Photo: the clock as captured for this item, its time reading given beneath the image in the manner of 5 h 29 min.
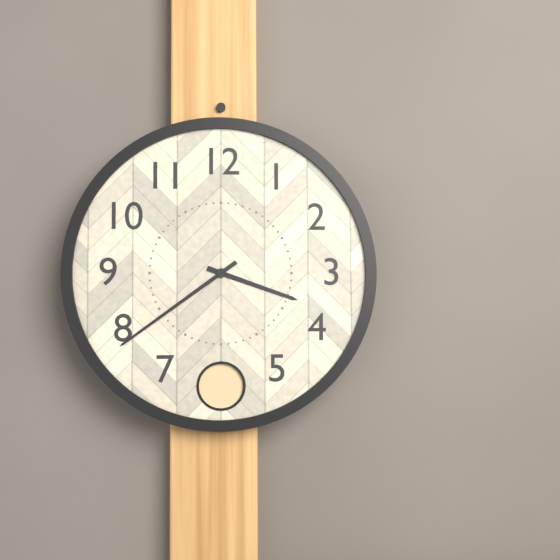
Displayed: 3 h 39 min
